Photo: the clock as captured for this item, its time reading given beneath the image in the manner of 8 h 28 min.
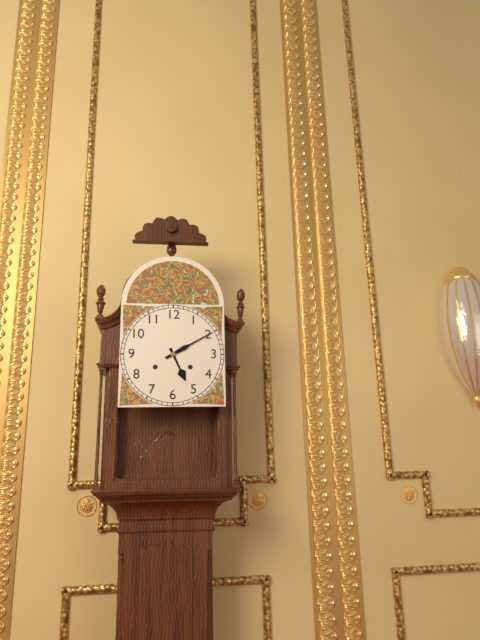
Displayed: 5 h 10 min
